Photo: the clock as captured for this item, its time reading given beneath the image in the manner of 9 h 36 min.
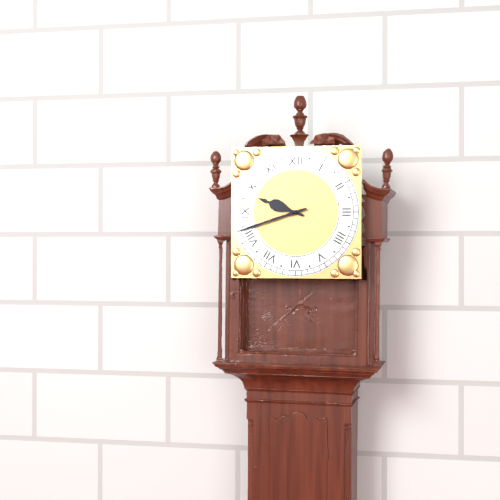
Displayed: 9 h 42 min
